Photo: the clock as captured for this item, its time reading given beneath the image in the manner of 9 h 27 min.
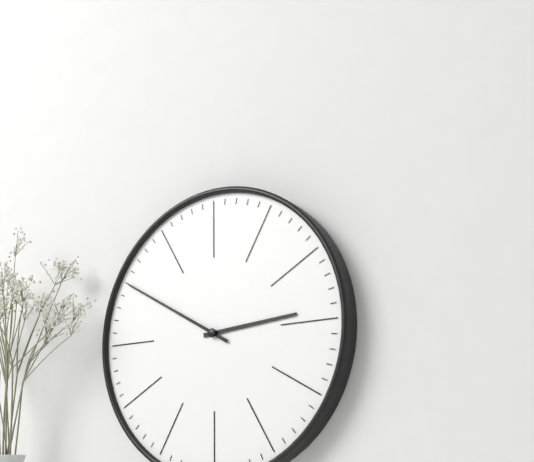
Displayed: 2 h 50 min
